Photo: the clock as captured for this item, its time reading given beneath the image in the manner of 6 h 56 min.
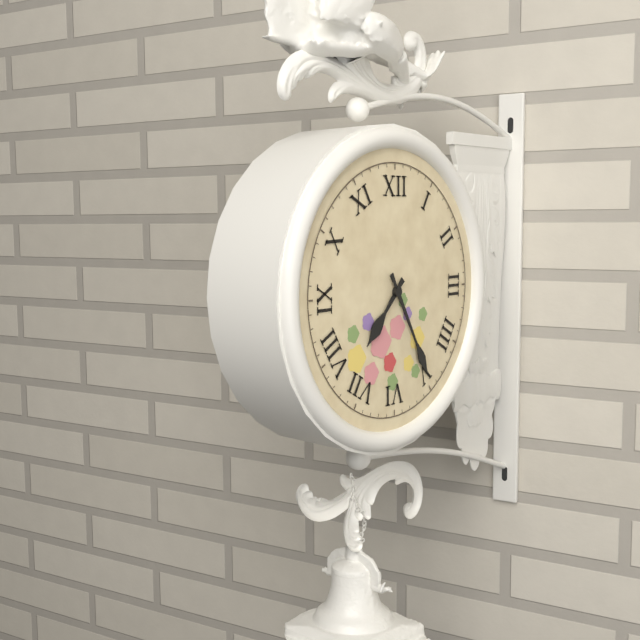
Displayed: 7 h 25 min
